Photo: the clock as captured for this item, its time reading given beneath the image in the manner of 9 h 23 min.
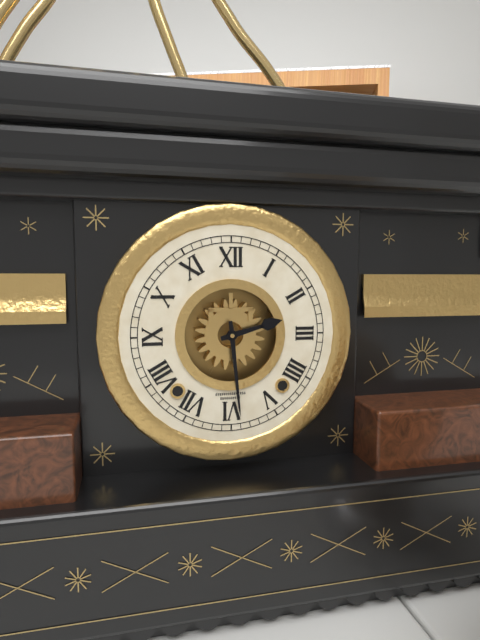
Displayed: 2 h 29 min
